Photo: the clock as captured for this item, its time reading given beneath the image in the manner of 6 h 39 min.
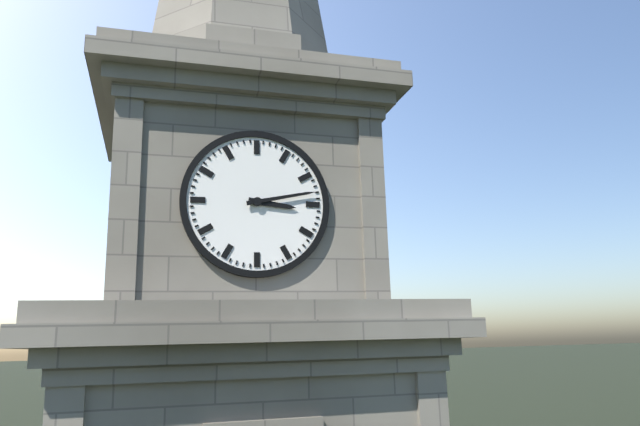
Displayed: 3 h 13 min
